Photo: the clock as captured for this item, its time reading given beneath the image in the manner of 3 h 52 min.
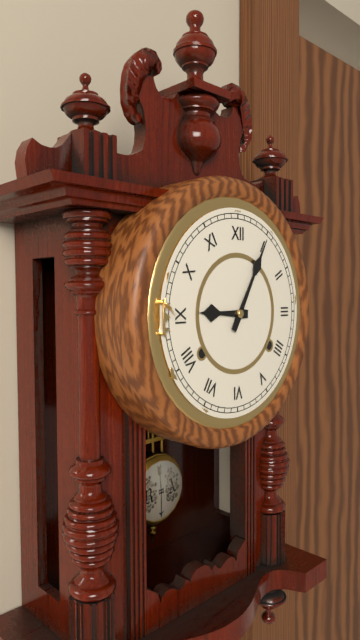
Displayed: 9 h 05 min
